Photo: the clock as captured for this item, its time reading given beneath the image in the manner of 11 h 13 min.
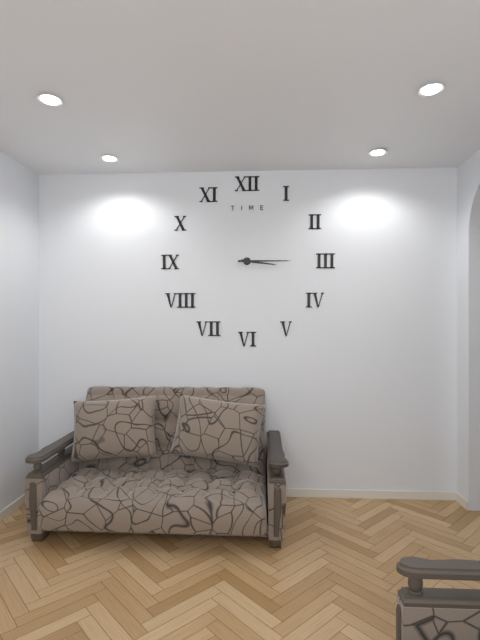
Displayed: 3 h 15 min
